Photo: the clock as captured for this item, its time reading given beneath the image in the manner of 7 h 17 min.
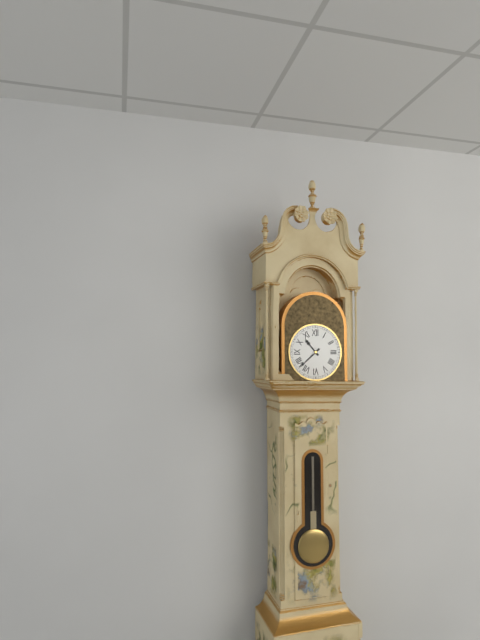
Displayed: 10 h 38 min
